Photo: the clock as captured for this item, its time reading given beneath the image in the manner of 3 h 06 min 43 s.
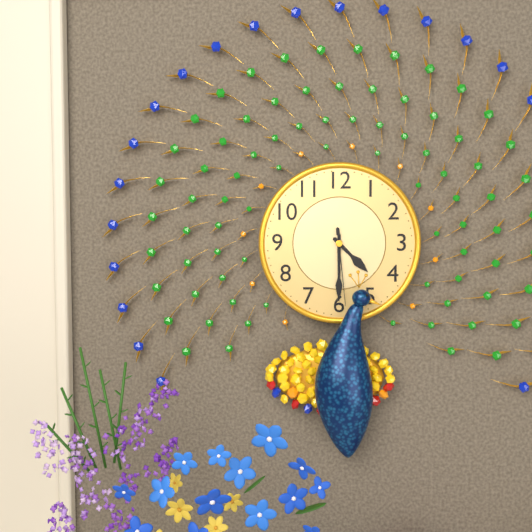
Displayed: 4 h 30 min 29 s
